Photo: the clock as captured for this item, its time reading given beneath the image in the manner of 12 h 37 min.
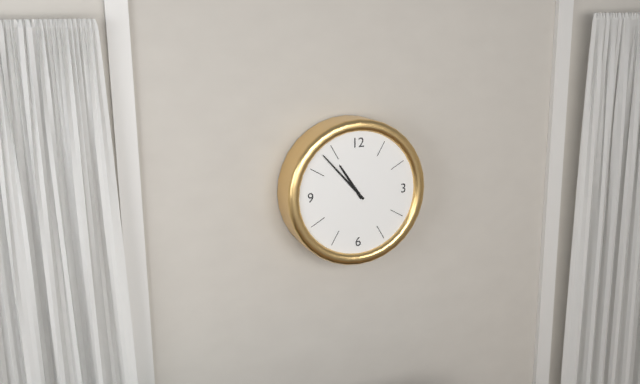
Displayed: 10 h 53 min
